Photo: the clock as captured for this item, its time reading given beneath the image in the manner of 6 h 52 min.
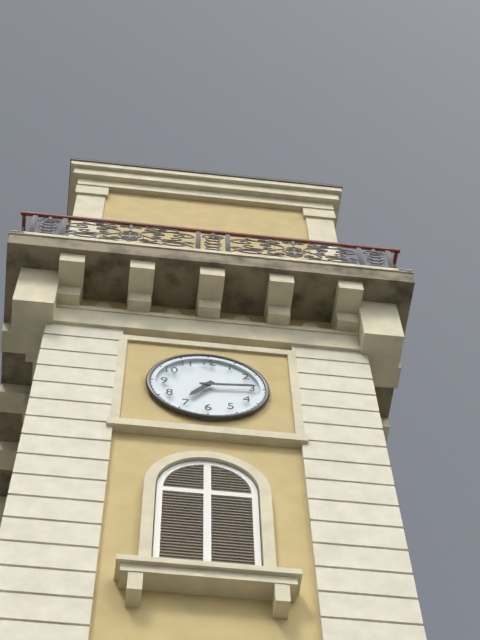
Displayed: 7 h 14 min
